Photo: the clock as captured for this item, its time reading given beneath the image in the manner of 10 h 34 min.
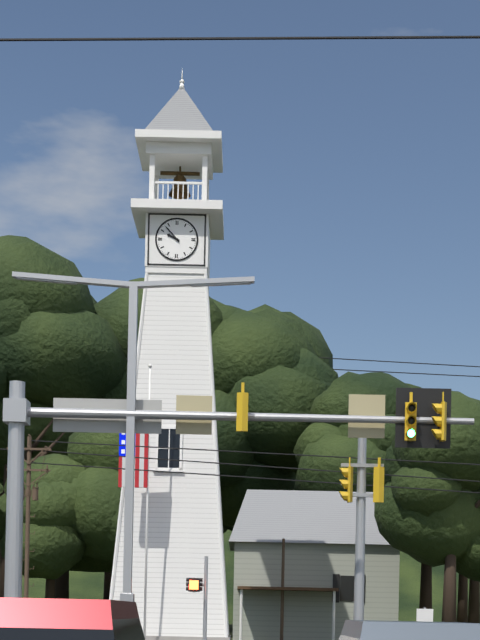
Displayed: 9 h 53 min
